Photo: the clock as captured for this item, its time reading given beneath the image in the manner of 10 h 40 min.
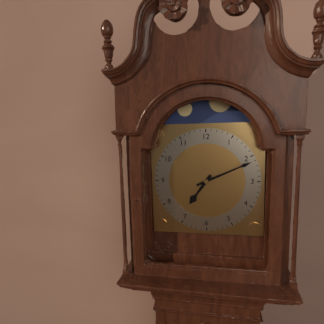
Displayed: 7 h 11 min
